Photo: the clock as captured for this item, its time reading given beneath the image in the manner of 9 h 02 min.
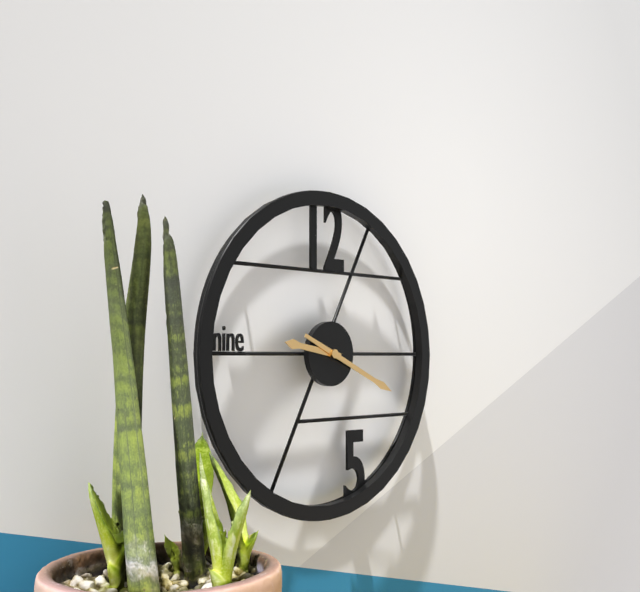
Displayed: 9 h 19 min
